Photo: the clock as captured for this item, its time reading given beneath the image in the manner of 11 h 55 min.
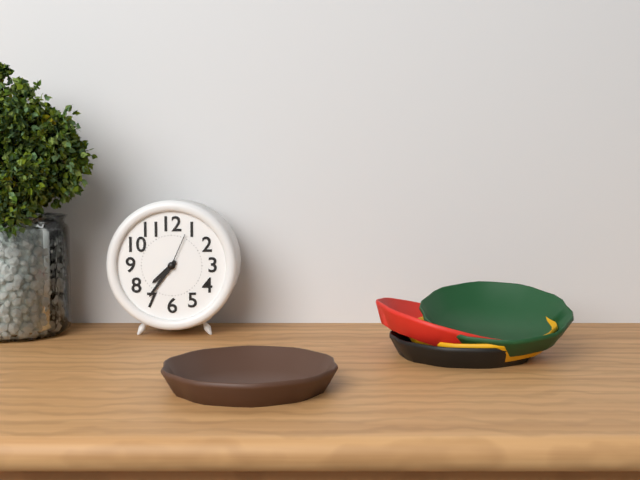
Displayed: 7 h 36 min
